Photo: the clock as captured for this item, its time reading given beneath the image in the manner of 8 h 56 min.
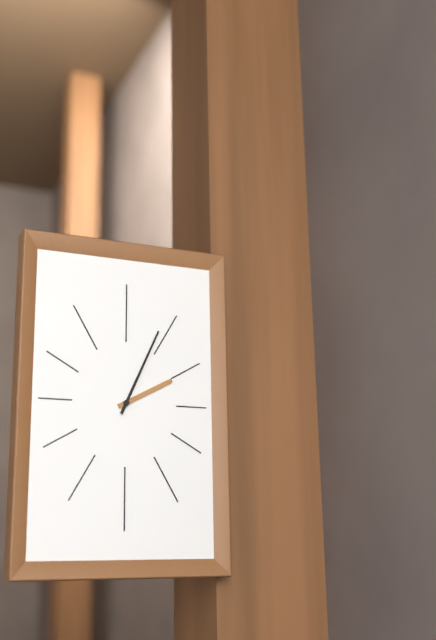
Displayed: 2 h 04 min
